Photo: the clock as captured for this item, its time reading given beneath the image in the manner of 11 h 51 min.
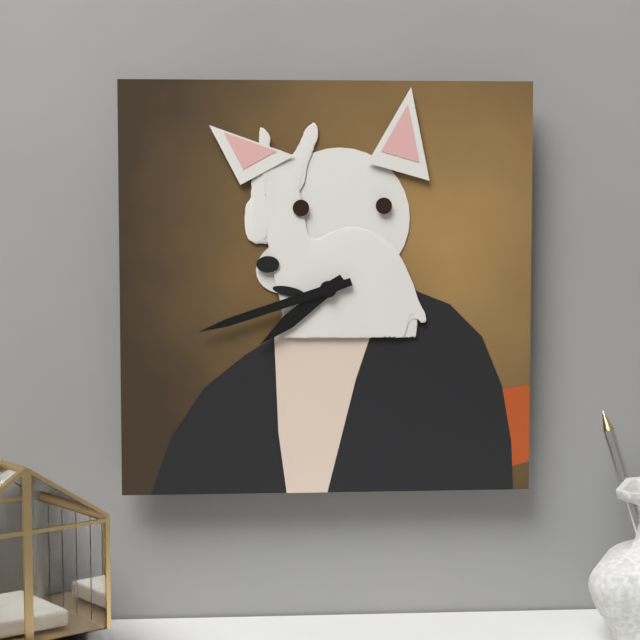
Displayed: 7 h 42 min
